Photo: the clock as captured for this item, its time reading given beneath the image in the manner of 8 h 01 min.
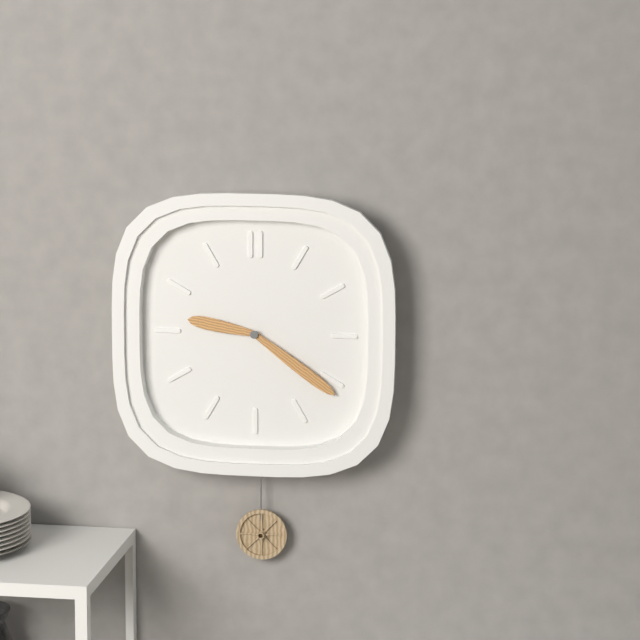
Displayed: 9 h 21 min
